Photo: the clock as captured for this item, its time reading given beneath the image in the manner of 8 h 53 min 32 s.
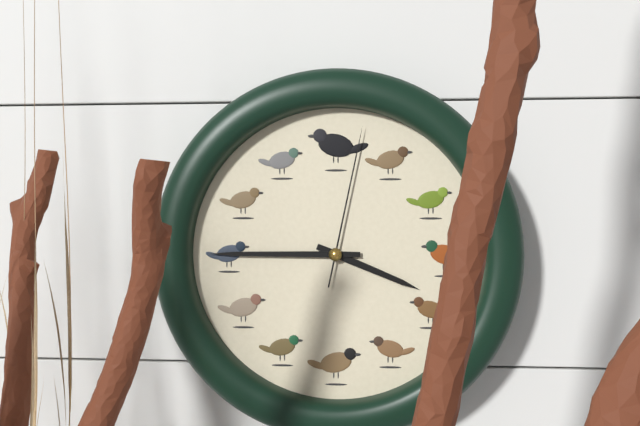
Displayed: 3 h 45 min 02 s
